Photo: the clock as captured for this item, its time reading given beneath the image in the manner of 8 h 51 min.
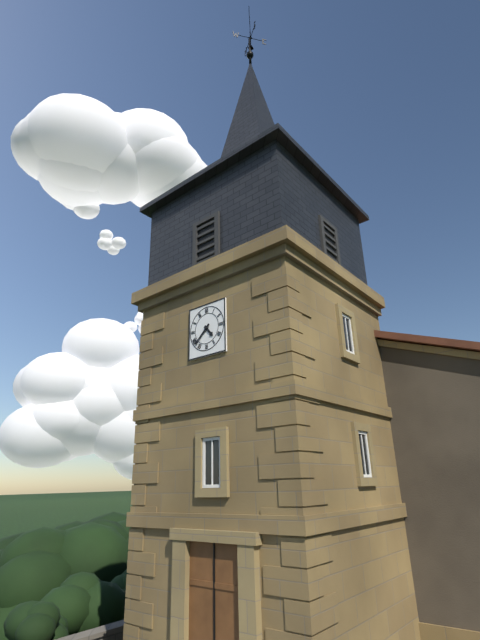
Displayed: 4 h 38 min
